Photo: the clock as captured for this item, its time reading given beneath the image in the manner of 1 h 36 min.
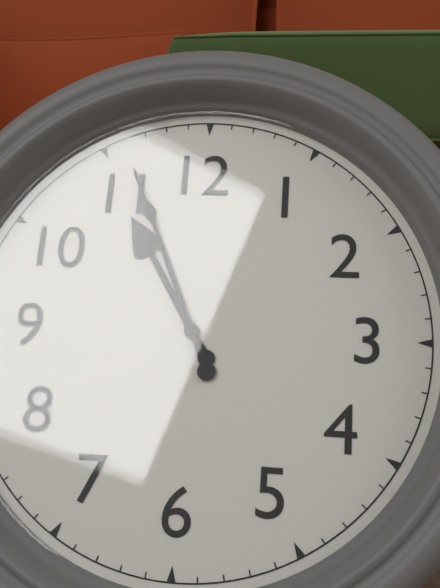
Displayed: 10 h 56 min
